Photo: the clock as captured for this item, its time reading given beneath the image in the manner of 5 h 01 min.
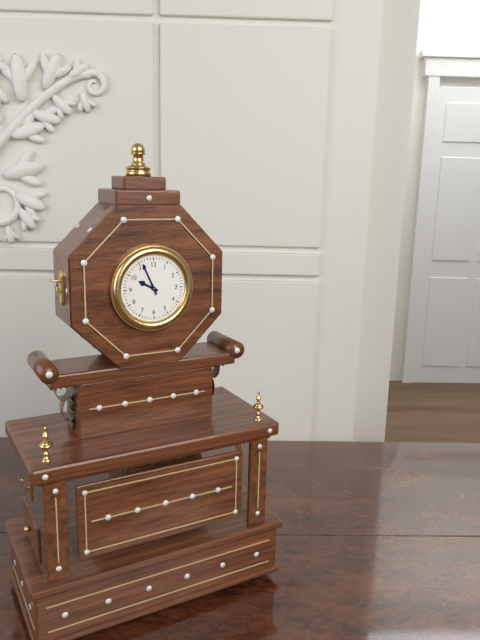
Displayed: 9 h 56 min
